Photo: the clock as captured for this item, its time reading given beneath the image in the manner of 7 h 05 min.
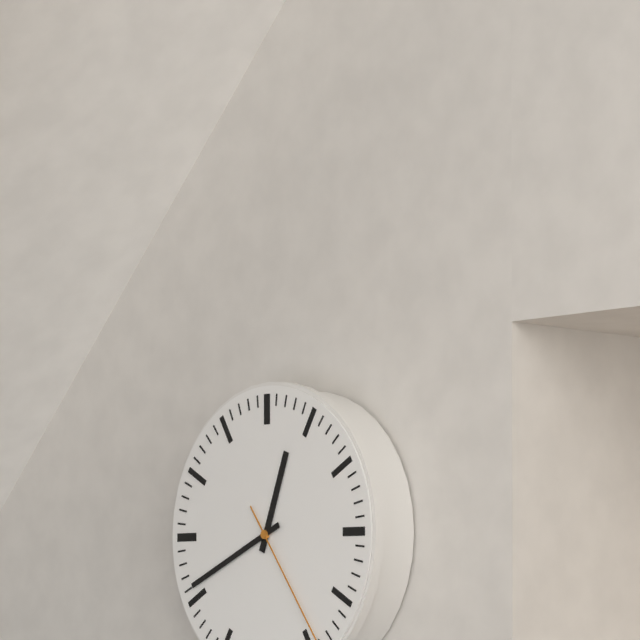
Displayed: 12 h 41 min
